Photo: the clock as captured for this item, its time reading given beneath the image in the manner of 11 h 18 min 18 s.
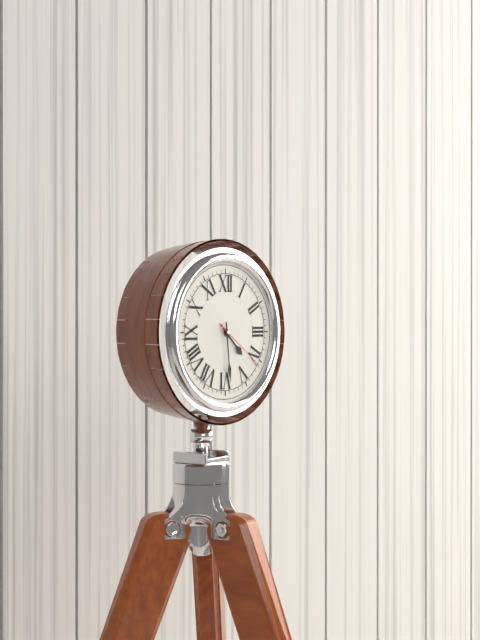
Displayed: 4 h 29 min 21 s
